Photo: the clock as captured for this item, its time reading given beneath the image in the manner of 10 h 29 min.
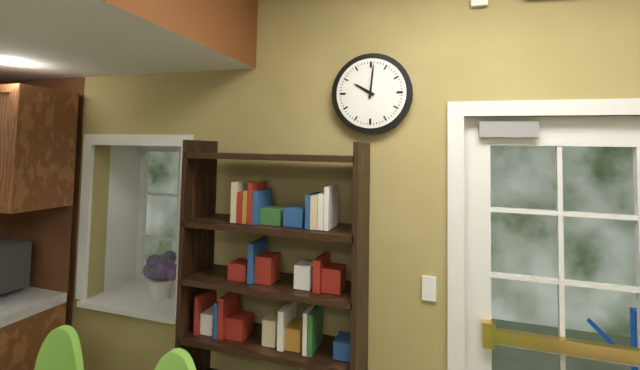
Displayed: 10 h 01 min
